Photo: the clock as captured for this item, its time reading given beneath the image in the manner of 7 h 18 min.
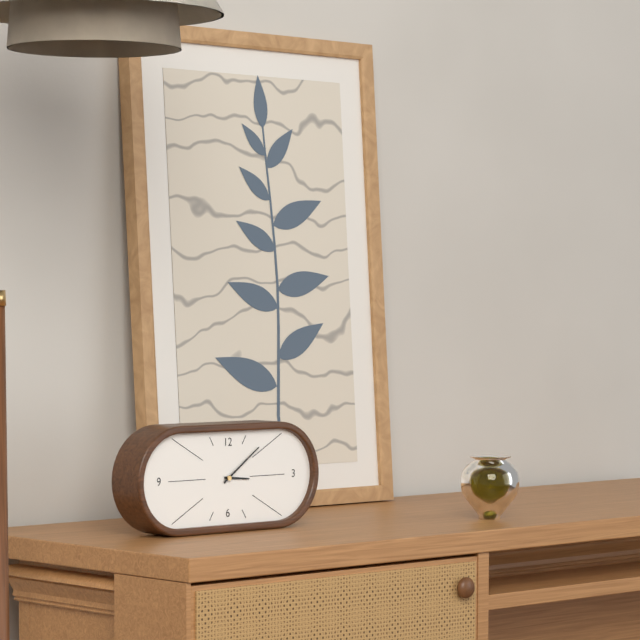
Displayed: 3 h 09 min
